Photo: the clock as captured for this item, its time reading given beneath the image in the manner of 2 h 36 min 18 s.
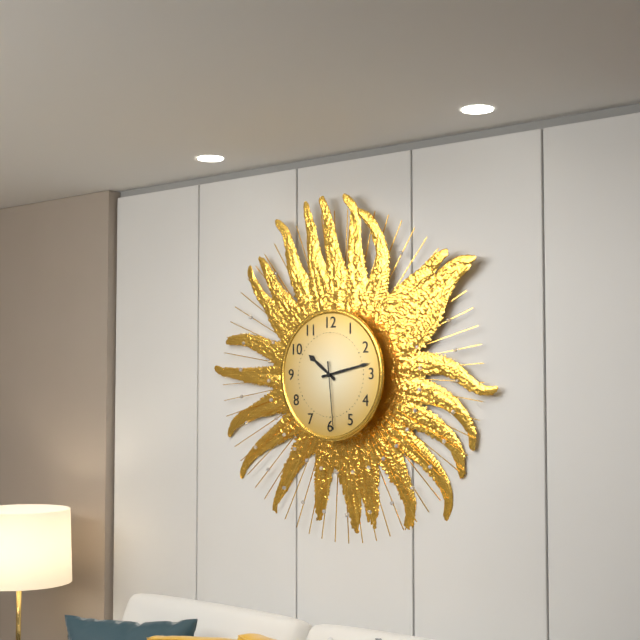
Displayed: 10 h 13 min 29 s
